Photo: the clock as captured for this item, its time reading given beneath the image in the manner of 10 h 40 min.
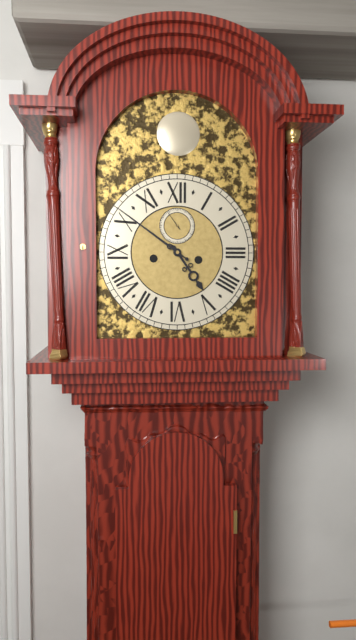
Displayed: 4 h 51 min
